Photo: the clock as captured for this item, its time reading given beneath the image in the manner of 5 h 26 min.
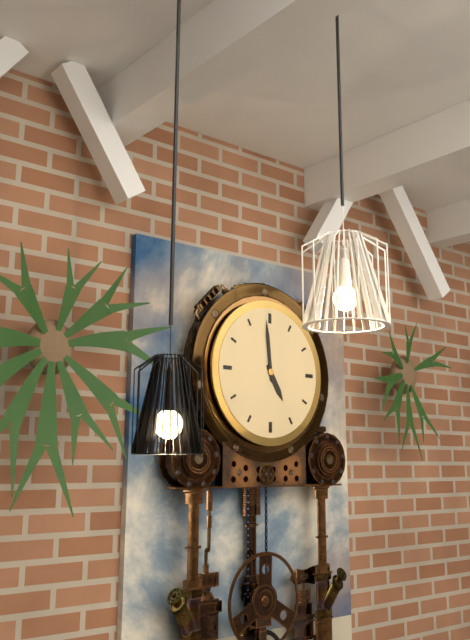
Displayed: 4 h 59 min
